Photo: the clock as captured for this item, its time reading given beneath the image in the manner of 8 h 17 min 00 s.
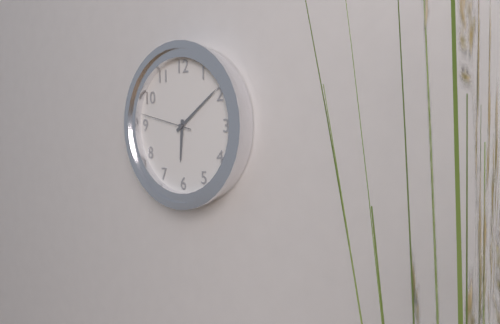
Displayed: 6 h 09 min 47 s
